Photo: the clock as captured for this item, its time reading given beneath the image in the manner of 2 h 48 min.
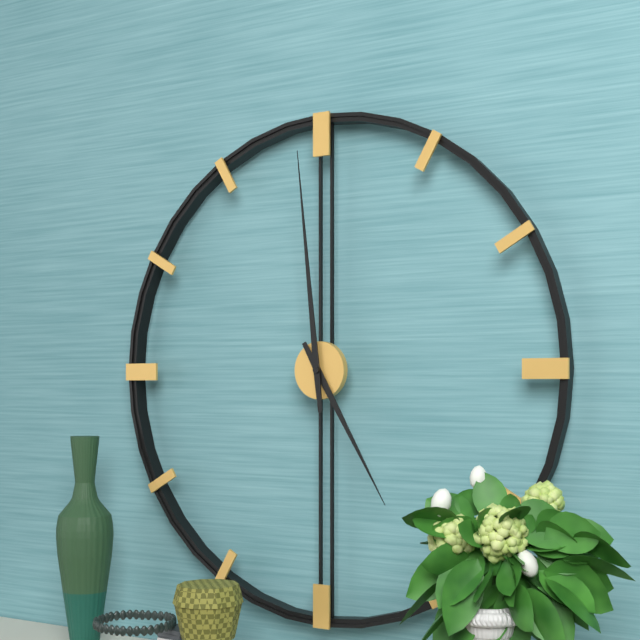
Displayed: 4 h 59 min
